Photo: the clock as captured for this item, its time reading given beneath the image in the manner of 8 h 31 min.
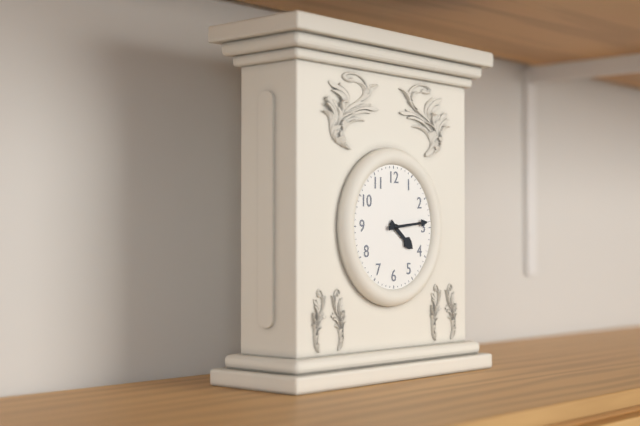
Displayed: 4 h 14 min
